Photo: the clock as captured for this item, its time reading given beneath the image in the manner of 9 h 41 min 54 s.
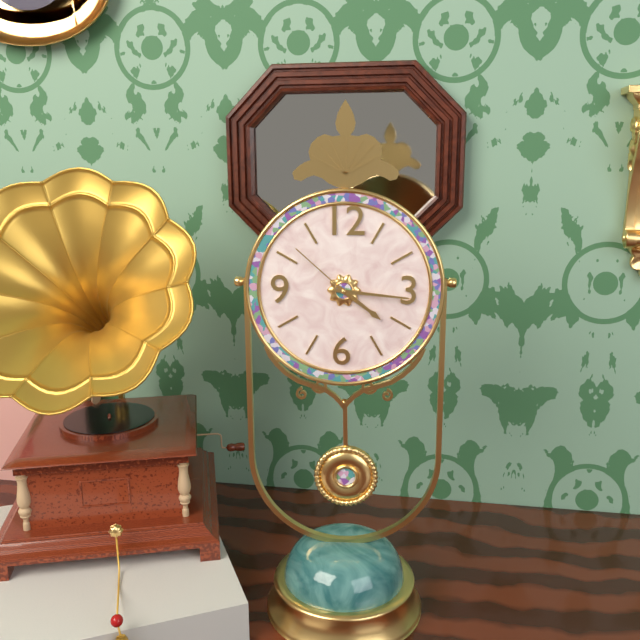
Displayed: 4 h 16 min 52 s
